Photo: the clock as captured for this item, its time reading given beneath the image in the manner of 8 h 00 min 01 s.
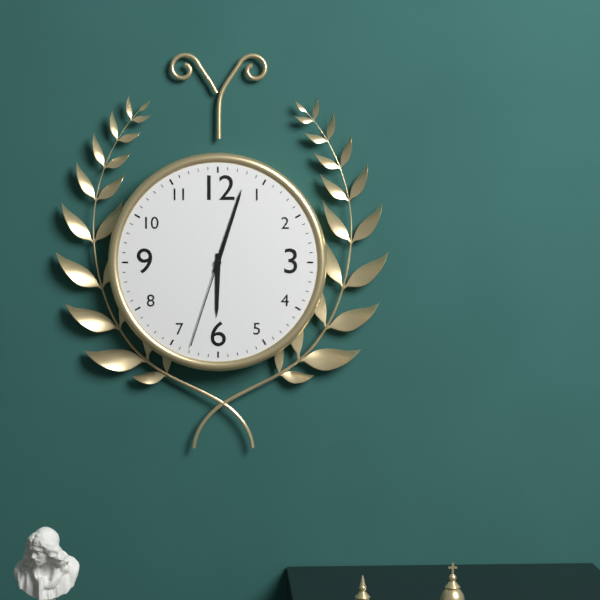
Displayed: 6 h 03 min 33 s
